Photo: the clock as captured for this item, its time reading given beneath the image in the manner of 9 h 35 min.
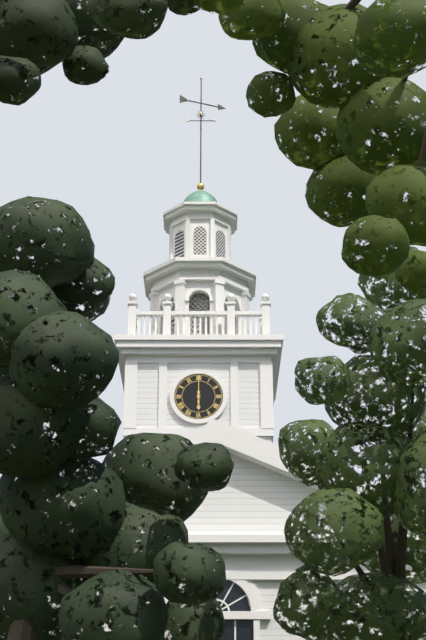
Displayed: 6 h 00 min
